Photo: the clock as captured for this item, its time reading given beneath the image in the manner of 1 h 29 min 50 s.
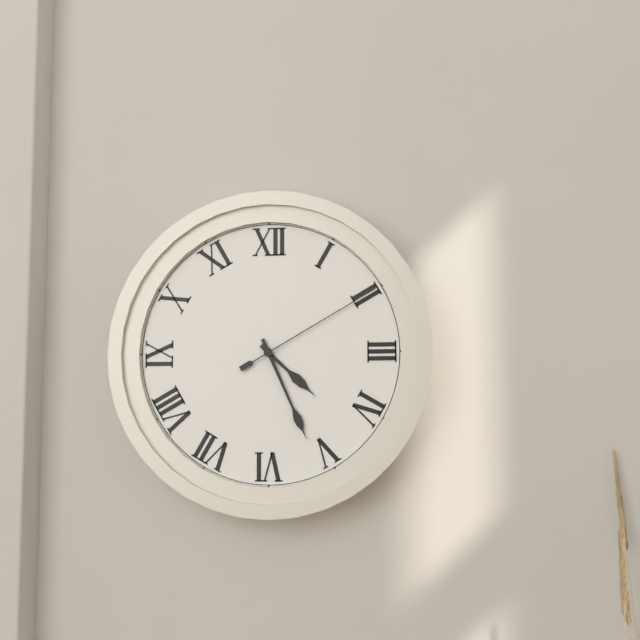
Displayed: 4 h 26 min 10 s
